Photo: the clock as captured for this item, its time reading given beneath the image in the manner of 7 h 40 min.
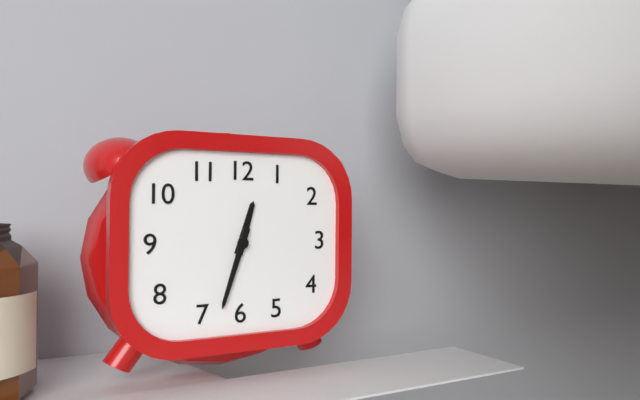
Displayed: 12 h 33 min
